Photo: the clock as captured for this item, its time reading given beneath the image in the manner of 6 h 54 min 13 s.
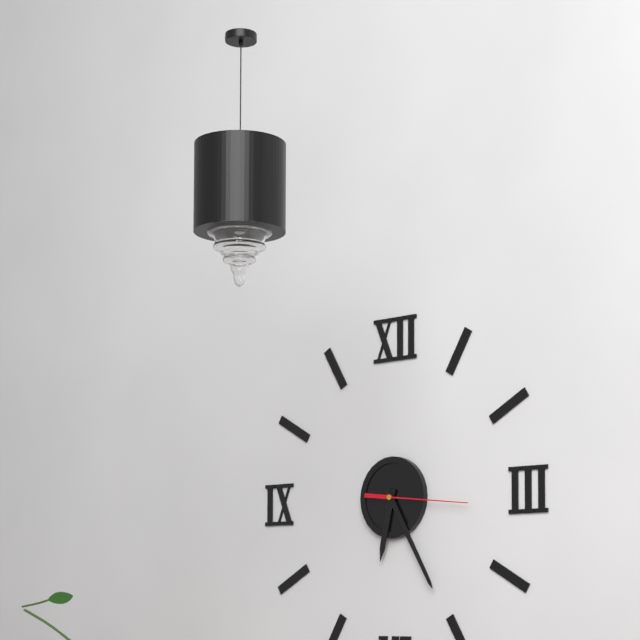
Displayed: 6 h 25 min 16 s
